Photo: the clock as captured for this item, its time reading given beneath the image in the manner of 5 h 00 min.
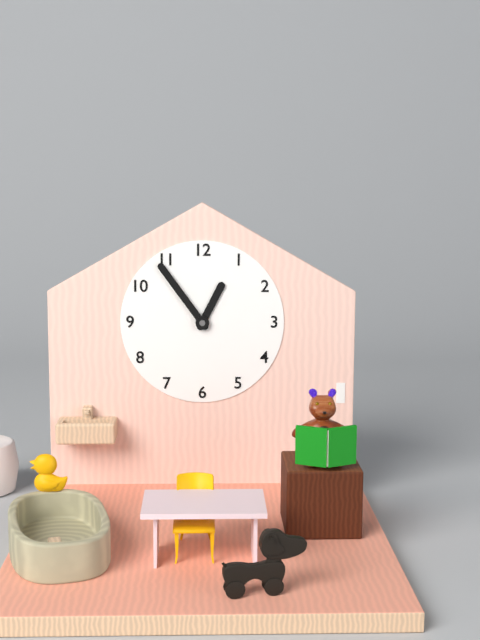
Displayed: 12 h 54 min
